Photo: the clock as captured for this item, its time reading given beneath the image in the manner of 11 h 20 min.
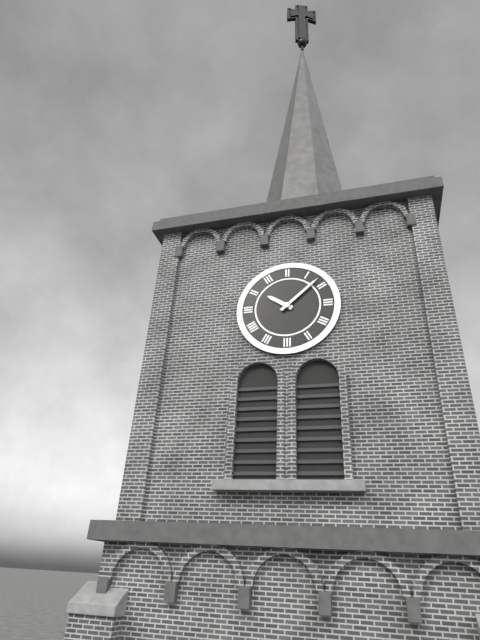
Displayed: 10 h 08 min
